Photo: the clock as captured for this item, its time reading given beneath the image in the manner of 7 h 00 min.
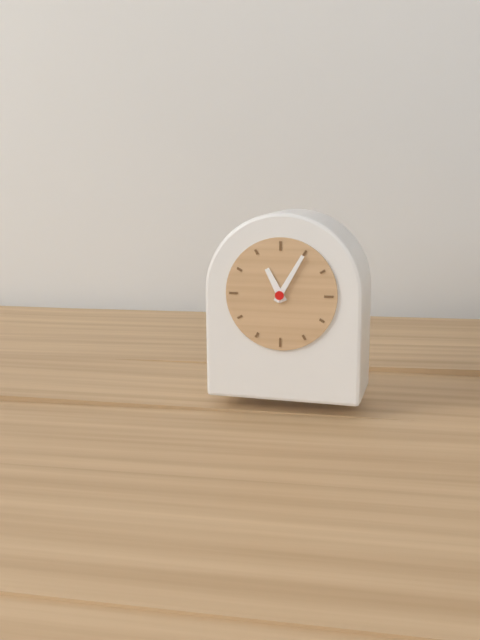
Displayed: 11 h 05 min
